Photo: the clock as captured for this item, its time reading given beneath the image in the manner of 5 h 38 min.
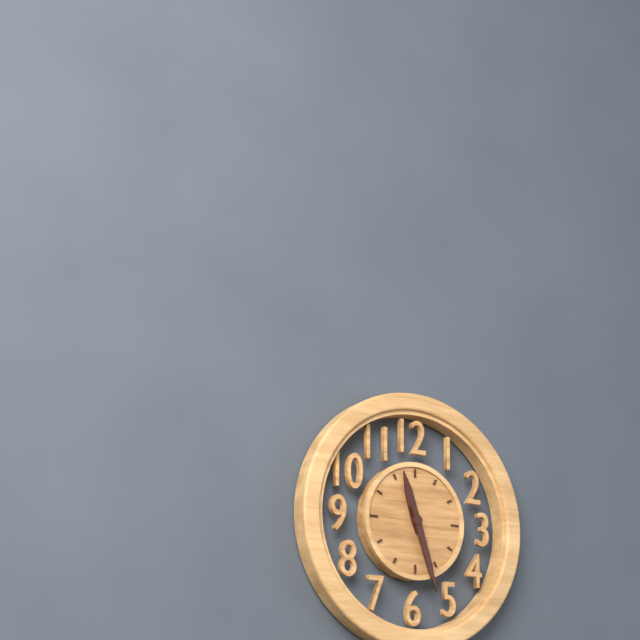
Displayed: 11 h 27 min
